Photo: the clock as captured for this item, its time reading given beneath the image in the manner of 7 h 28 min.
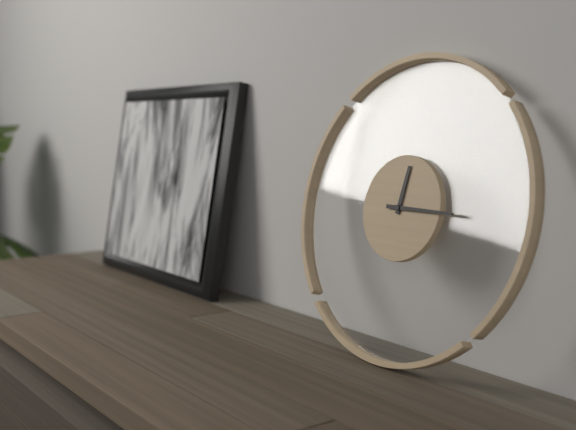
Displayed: 12 h 15 min
